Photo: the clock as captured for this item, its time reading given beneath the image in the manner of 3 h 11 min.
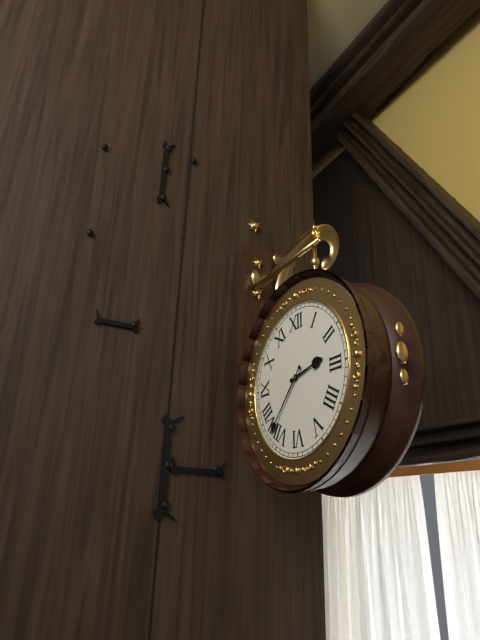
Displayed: 2 h 37 min
